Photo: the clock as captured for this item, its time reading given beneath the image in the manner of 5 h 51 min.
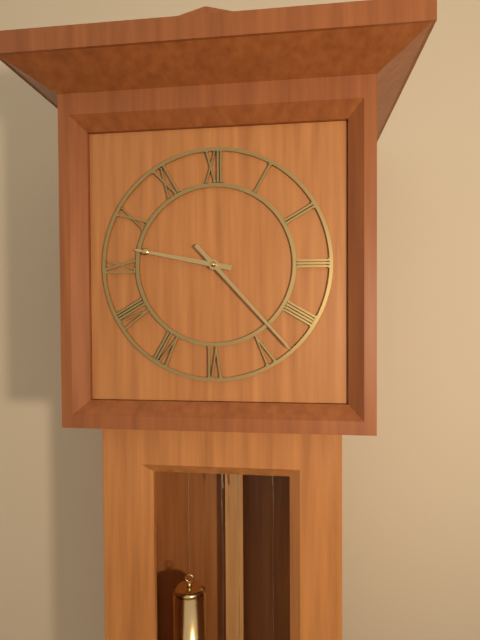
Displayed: 9 h 23 min
